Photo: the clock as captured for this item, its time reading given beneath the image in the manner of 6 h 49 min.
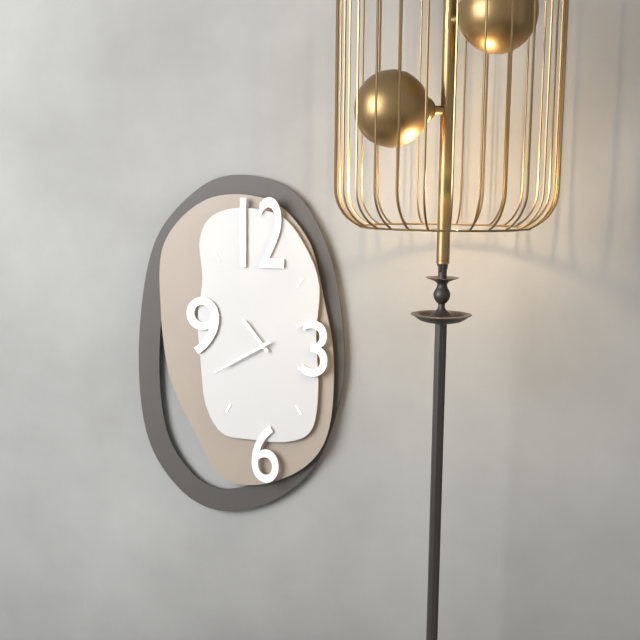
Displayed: 10 h 40 min
